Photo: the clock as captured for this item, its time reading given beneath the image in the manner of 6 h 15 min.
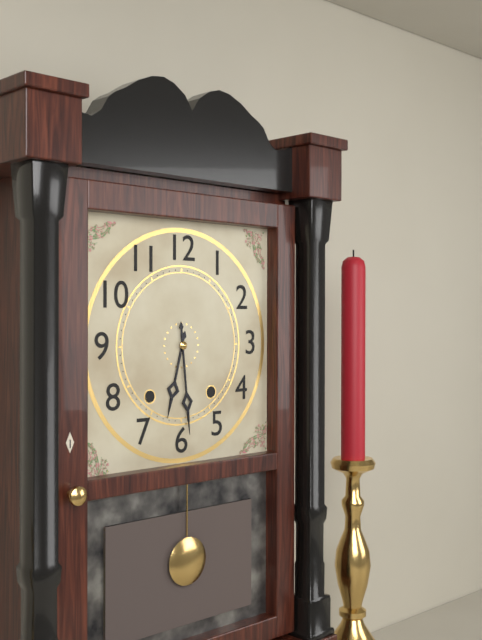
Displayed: 6 h 29 min
